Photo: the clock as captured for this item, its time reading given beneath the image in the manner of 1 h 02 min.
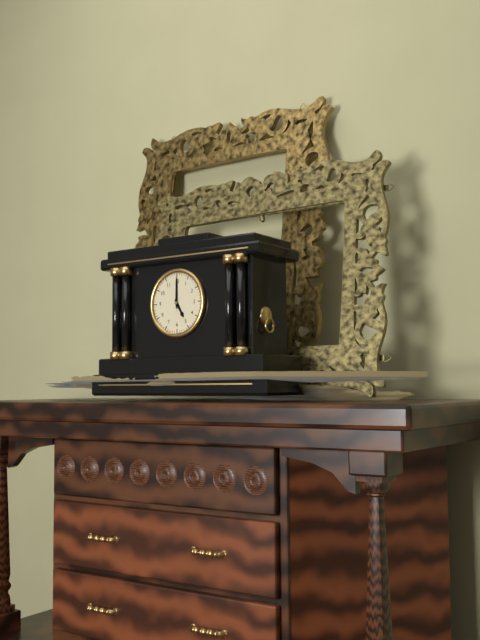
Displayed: 5 h 00 min
